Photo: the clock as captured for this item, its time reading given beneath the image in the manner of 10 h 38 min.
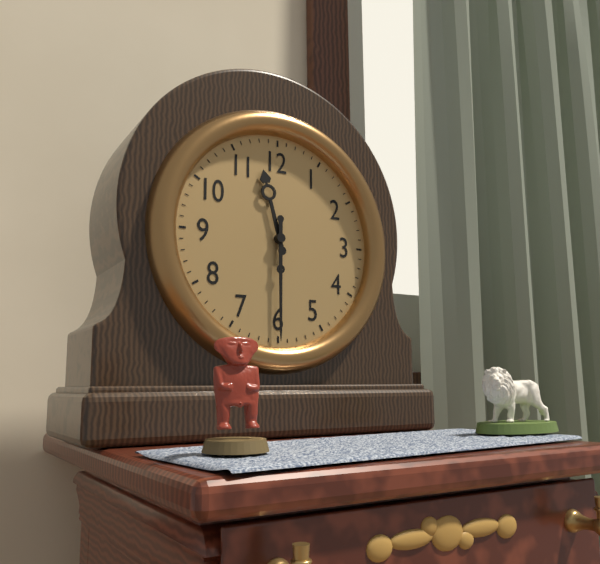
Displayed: 11 h 30 min
